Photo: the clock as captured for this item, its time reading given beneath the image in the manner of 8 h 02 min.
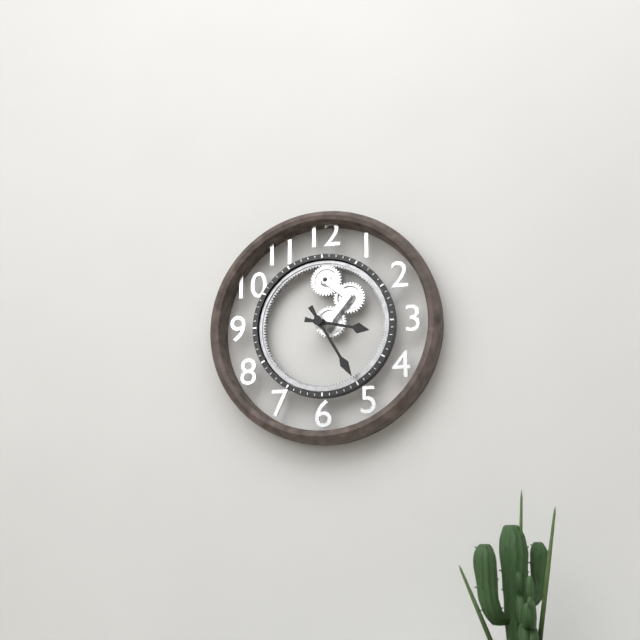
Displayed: 3 h 25 min
